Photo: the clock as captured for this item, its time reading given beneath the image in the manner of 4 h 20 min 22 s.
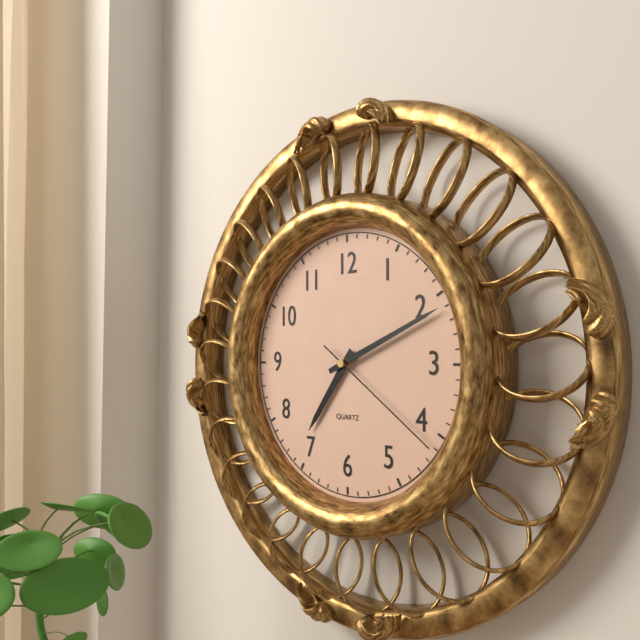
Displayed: 7 h 11 min 21 s
